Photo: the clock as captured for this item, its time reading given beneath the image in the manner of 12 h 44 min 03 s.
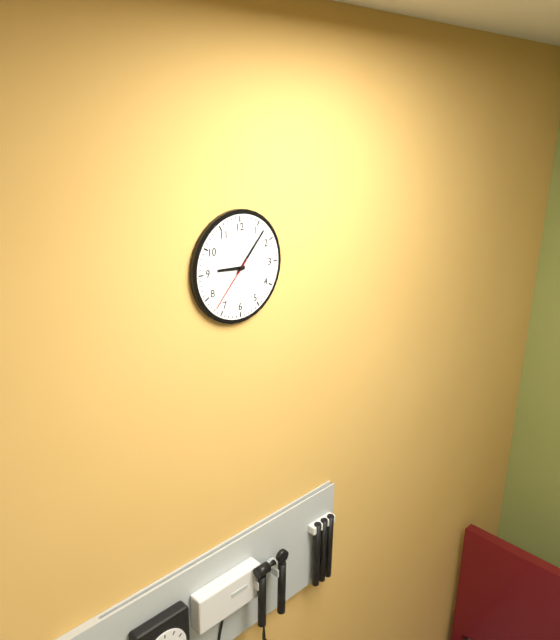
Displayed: 9 h 07 min 37 s
